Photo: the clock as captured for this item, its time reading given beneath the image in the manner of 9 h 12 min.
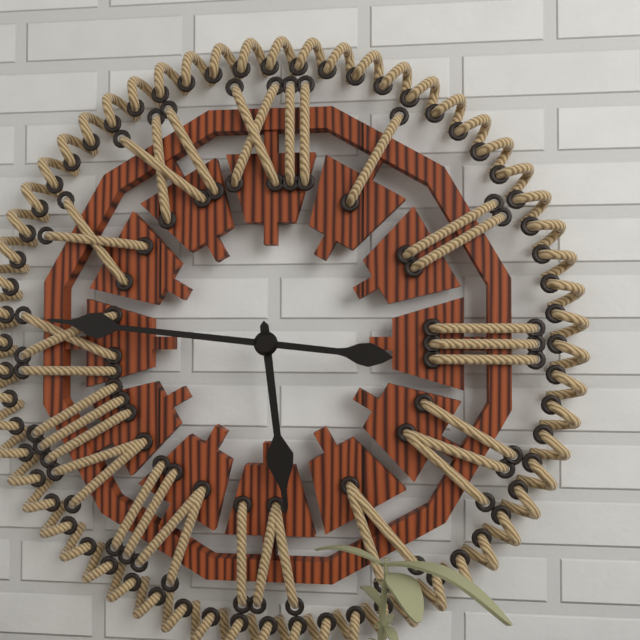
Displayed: 5 h 46 min
